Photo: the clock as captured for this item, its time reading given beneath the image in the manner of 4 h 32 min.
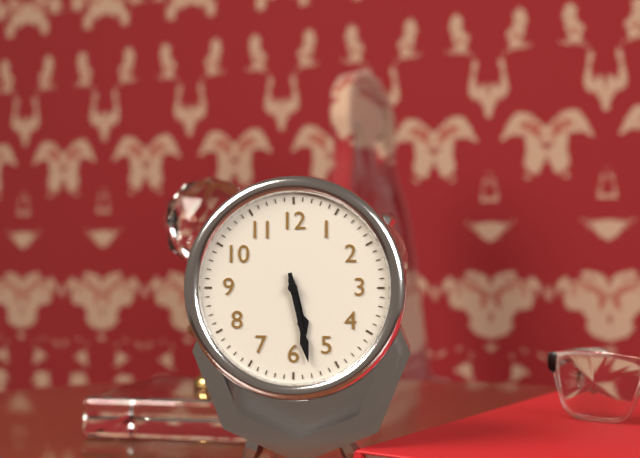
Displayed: 5 h 28 min
